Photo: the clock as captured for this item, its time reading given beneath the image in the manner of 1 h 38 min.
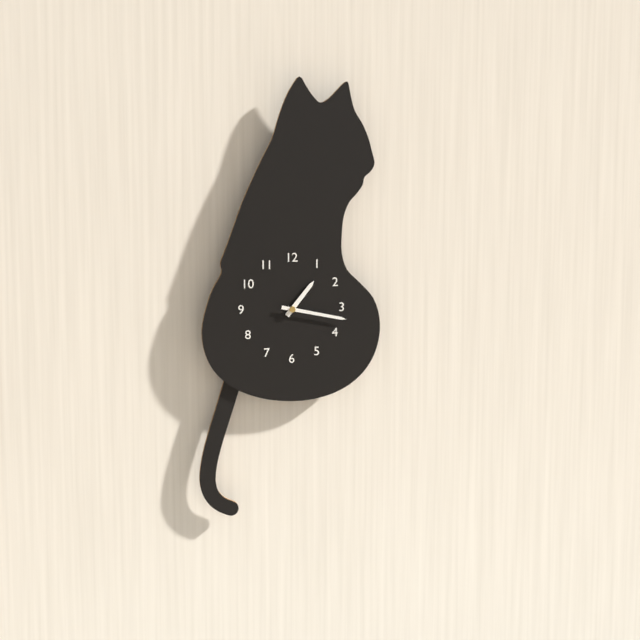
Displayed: 1 h 17 min
